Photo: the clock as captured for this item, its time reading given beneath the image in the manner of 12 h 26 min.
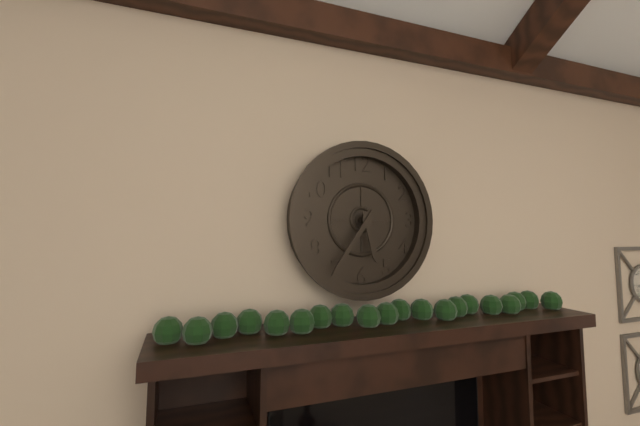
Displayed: 5 h 36 min
